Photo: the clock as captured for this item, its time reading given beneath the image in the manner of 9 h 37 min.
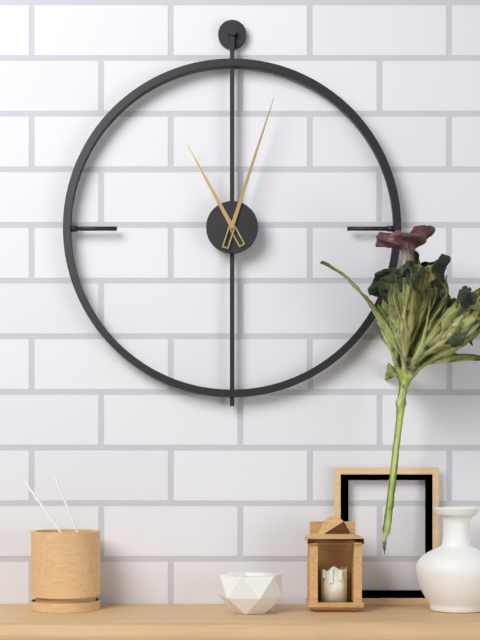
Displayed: 11 h 03 min
